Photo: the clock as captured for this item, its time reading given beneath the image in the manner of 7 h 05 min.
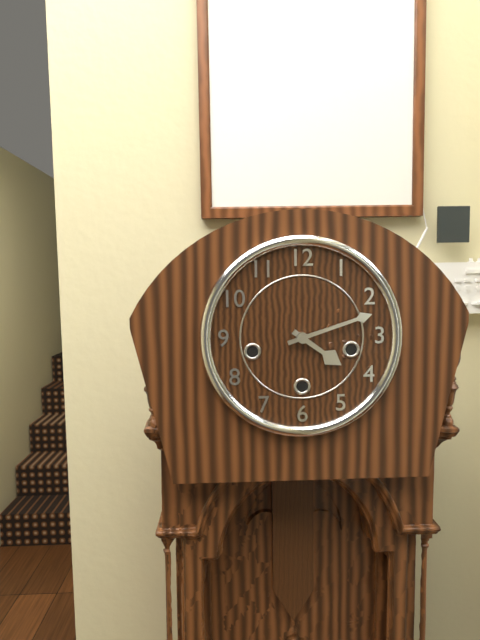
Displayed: 4 h 12 min
